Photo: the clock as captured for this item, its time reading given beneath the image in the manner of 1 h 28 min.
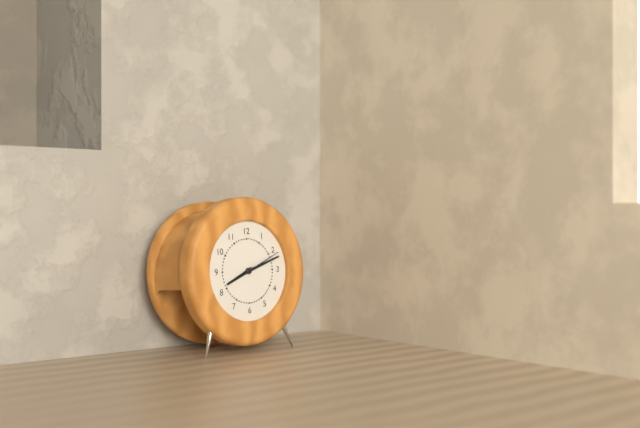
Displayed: 8 h 12 min
